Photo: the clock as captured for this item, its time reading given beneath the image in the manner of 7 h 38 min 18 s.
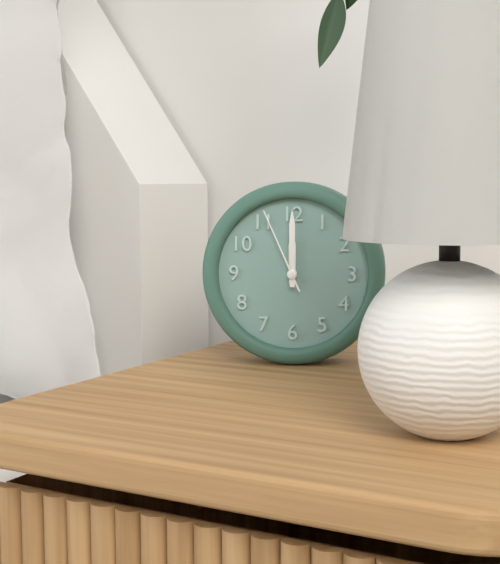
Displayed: 12 h 00 min 56 s
